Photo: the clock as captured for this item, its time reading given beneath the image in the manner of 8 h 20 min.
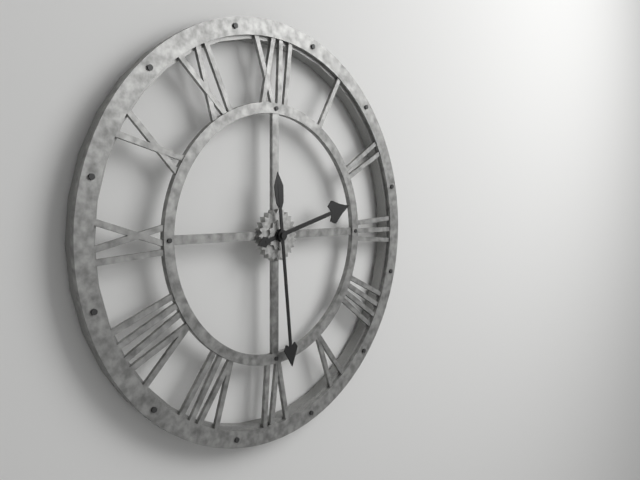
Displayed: 2 h 29 min
